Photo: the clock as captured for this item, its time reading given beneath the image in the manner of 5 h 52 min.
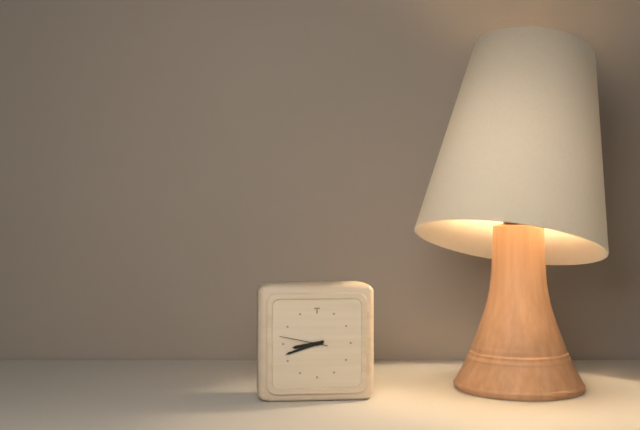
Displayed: 8 h 42 min
